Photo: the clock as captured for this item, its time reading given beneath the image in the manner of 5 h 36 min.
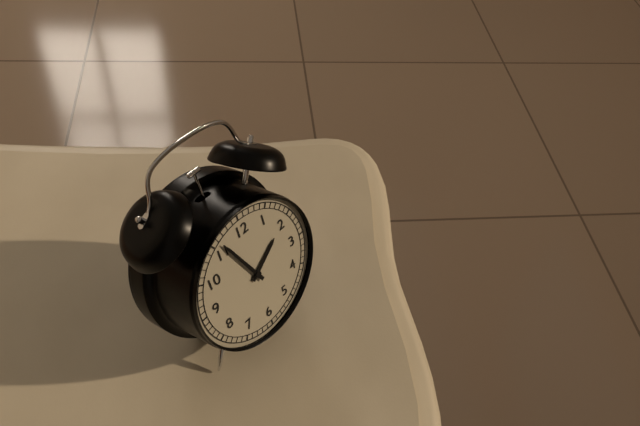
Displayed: 1 h 56 min
